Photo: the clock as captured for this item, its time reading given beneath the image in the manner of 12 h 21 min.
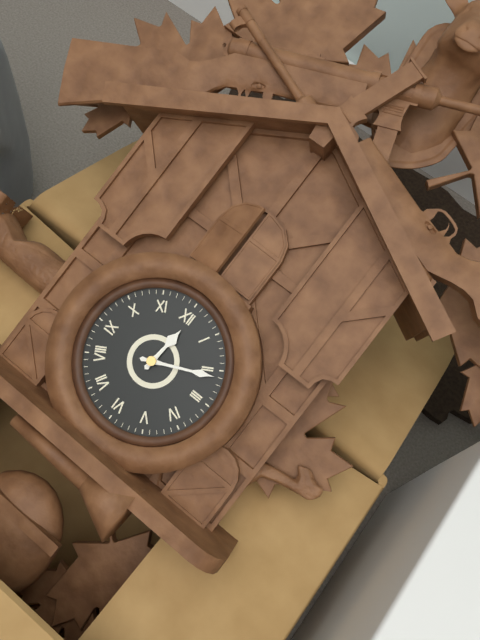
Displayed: 12 h 11 min
